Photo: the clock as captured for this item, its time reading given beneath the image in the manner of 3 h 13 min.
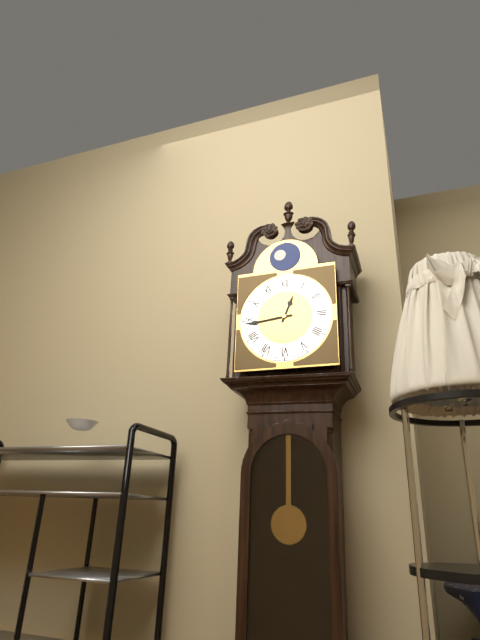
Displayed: 12 h 44 min
